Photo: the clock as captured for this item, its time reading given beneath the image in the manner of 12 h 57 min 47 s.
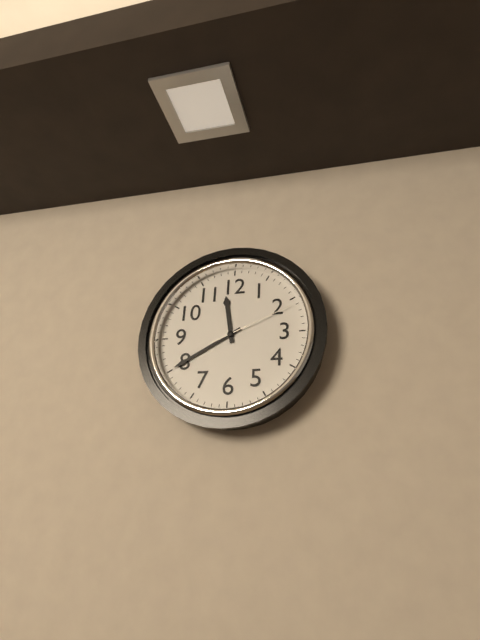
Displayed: 11 h 40 min 11 s
